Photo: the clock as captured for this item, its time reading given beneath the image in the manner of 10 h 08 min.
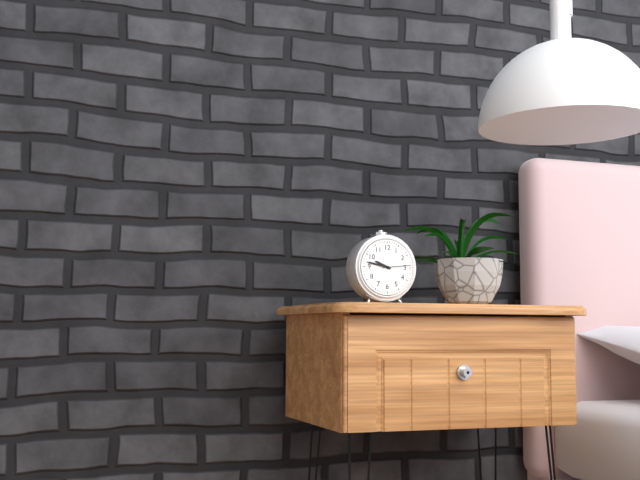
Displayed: 9 h 47 min
